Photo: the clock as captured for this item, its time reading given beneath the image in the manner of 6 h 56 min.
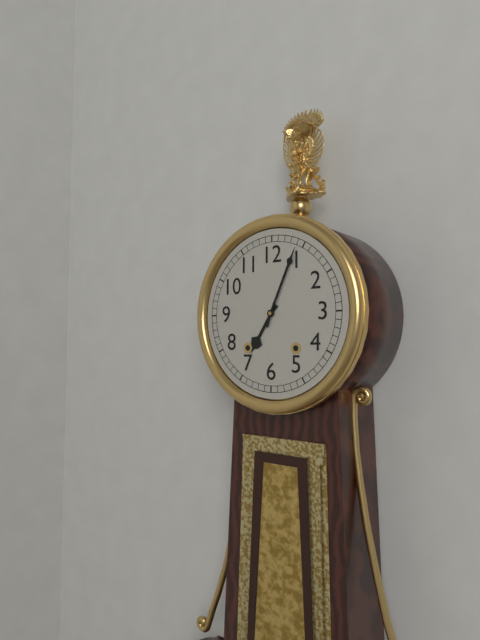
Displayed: 7 h 04 min
